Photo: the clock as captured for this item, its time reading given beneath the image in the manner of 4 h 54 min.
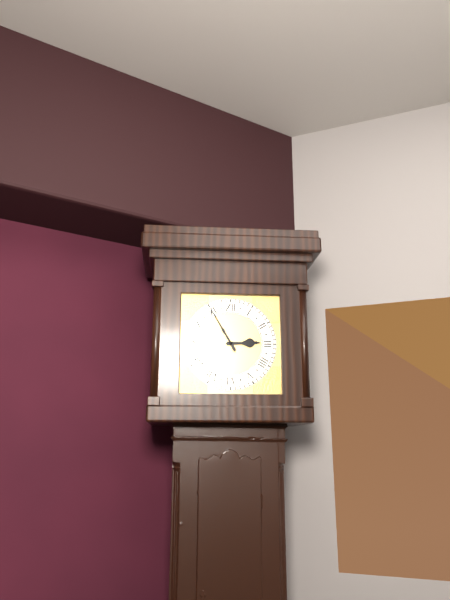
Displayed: 2 h 55 min
